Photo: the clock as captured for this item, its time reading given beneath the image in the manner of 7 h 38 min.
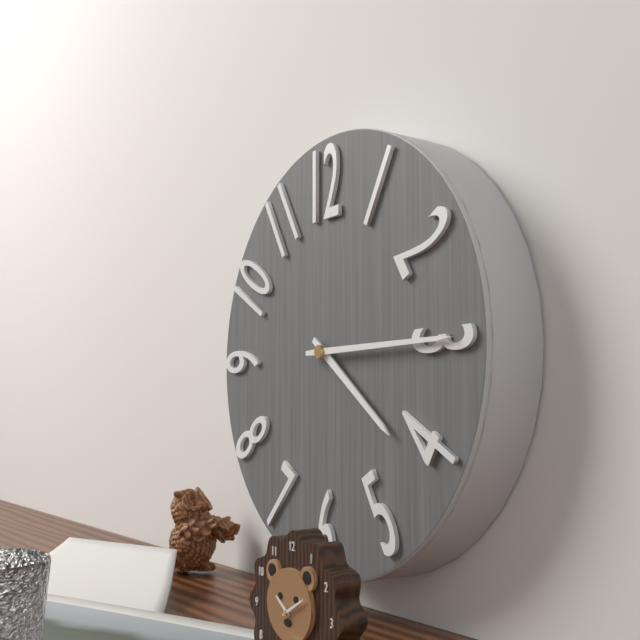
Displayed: 4 h 15 min
